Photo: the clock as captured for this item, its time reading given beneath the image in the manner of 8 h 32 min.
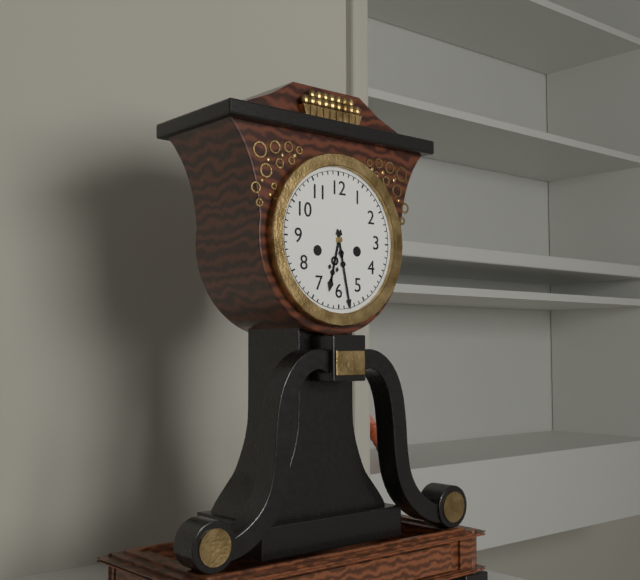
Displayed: 6 h 28 min
